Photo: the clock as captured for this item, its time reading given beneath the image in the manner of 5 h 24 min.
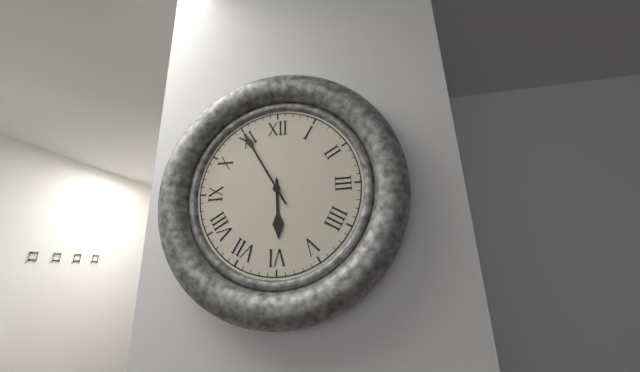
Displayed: 5 h 55 min
